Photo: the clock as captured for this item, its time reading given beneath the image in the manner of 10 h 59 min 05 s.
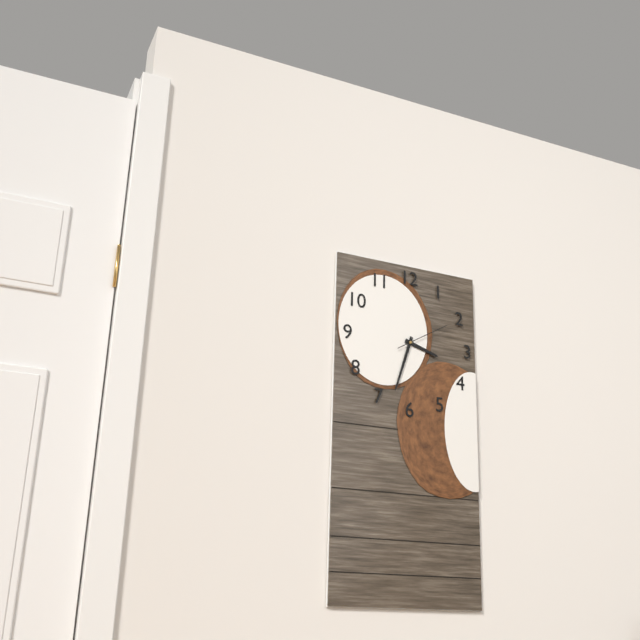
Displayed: 3 h 33 min 10 s
